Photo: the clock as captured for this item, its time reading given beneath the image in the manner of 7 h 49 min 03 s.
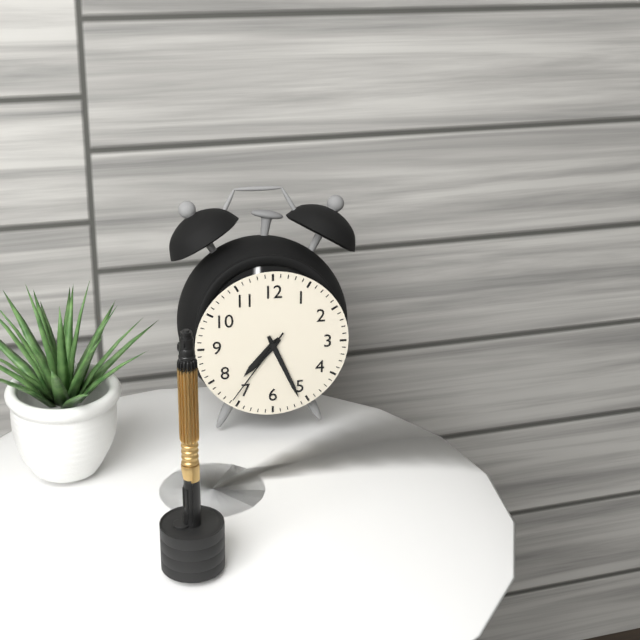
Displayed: 7 h 26 min 36 s
